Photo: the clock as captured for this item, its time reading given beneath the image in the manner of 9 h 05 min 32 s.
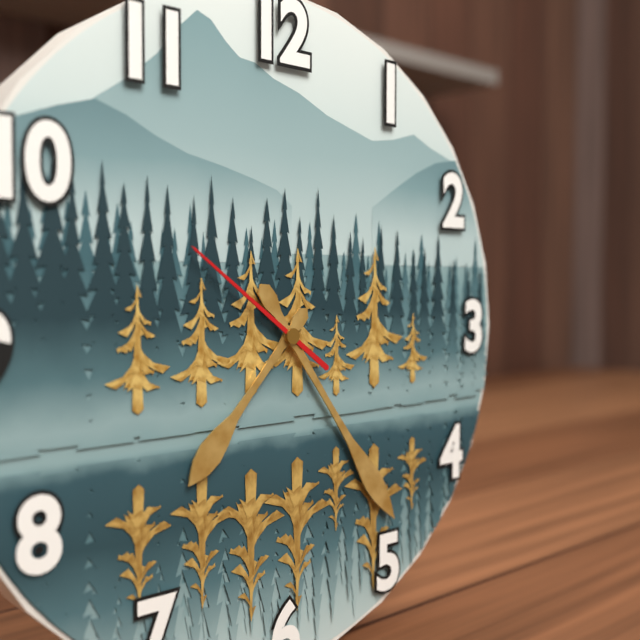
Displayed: 7 h 24 min 51 s
